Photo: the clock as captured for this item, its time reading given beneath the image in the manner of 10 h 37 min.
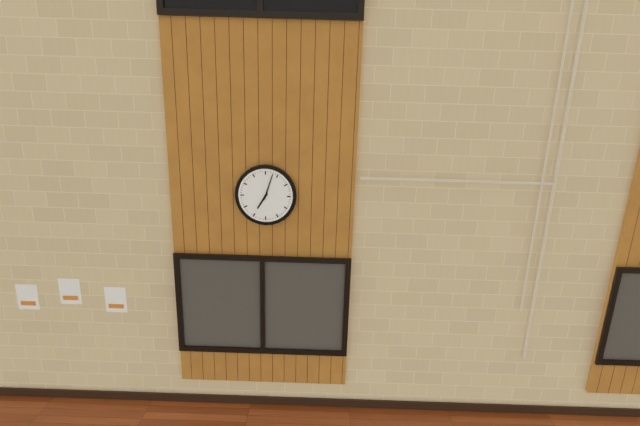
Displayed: 7 h 03 min
